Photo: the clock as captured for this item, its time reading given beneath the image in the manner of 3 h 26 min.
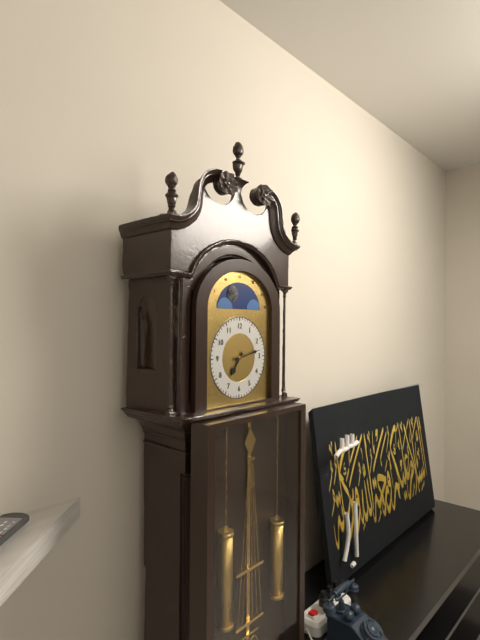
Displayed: 7 h 13 min
